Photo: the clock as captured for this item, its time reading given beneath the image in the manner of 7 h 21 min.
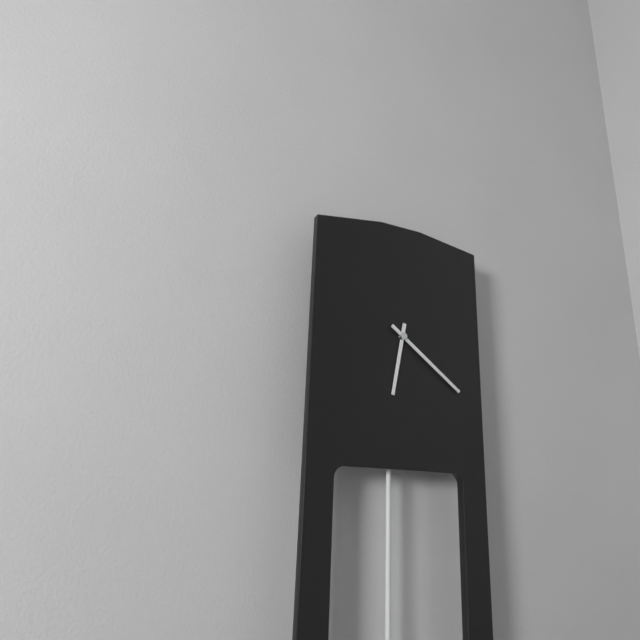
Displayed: 6 h 21 min
